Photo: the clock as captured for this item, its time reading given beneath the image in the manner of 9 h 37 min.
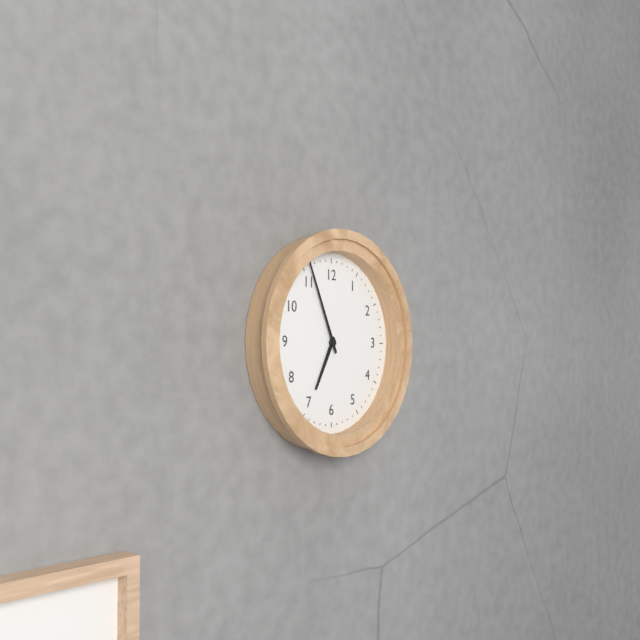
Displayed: 6 h 56 min
